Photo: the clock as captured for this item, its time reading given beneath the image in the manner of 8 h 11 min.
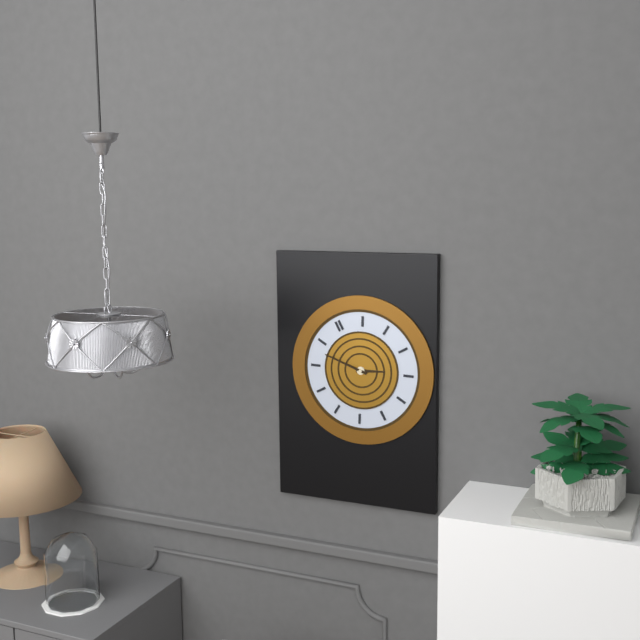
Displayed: 3 h 53 min
